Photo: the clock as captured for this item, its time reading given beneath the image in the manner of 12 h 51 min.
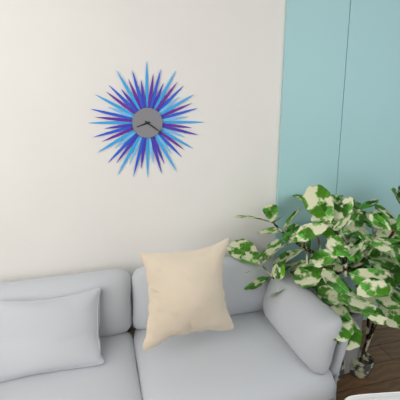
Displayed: 8 h 21 min
